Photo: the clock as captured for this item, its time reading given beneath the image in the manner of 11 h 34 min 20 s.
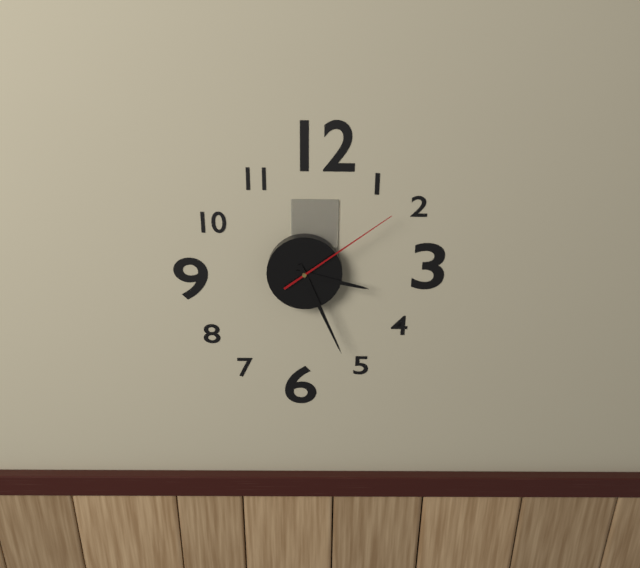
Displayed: 3 h 26 min 09 s
